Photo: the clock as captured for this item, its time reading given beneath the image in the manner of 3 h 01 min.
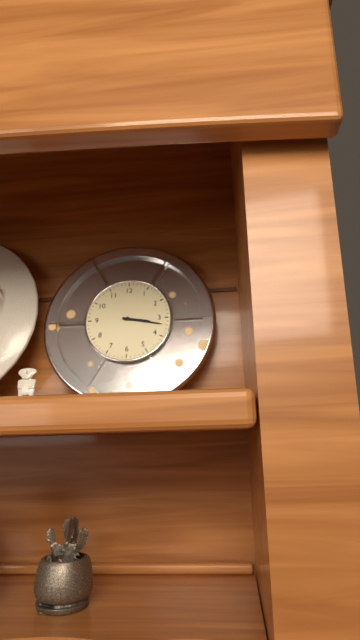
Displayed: 3 h 17 min
